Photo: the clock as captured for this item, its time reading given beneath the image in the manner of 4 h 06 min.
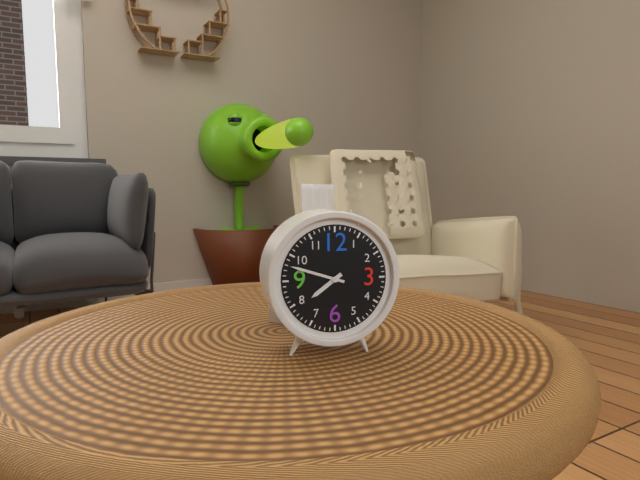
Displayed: 7 h 48 min
